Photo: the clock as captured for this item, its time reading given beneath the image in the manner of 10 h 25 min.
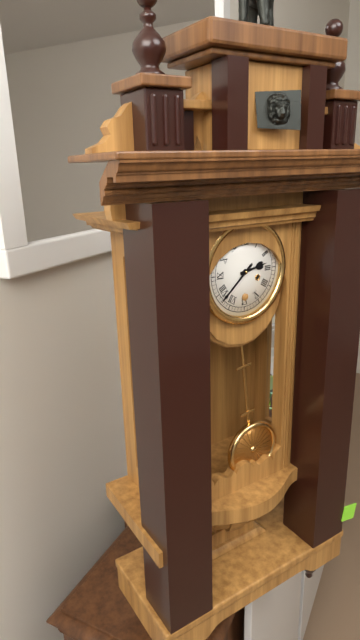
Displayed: 2 h 38 min
